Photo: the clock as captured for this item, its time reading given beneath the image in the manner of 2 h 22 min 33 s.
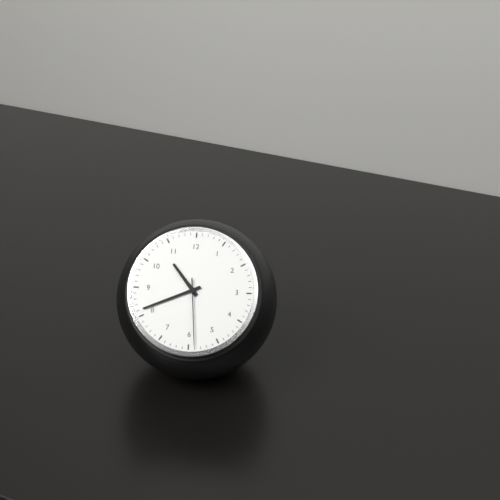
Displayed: 10 h 41 min 29 s
